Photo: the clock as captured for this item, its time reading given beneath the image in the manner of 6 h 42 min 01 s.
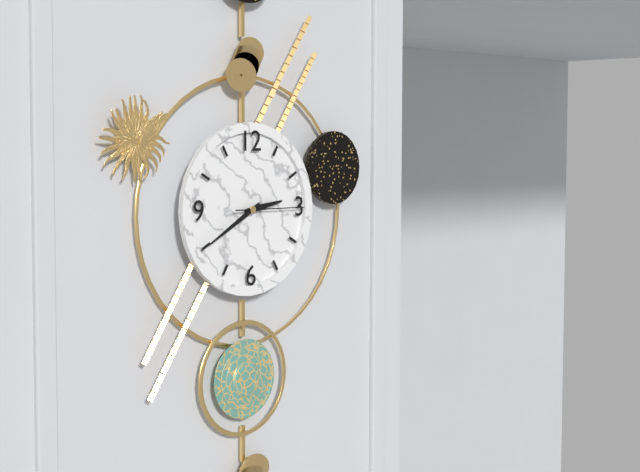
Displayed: 2 h 40 min 15 s
